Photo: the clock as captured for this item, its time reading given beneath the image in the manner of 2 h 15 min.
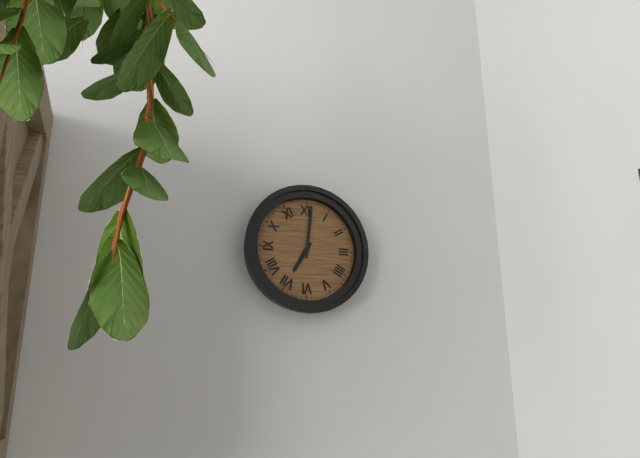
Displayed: 7 h 01 min
